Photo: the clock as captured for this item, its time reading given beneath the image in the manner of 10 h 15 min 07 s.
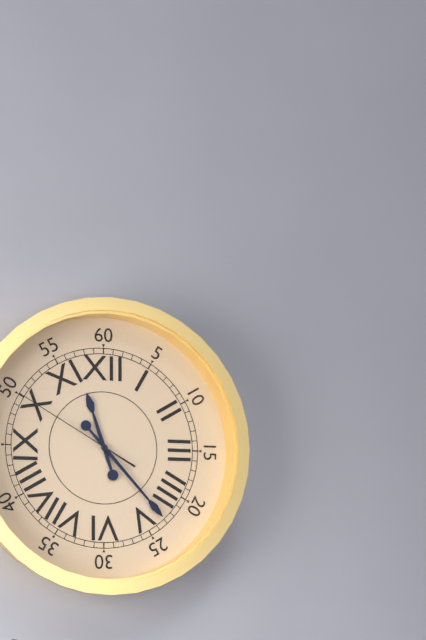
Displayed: 11 h 23 min 50 s
